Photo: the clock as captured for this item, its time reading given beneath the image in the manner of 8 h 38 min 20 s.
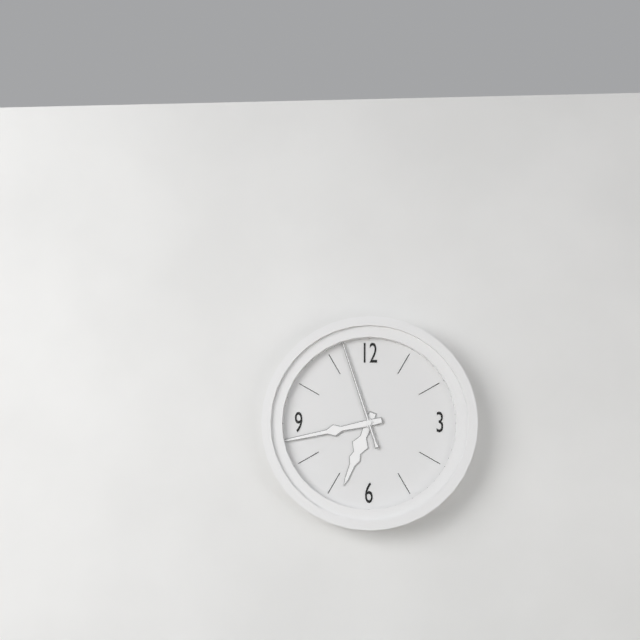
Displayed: 6 h 43 min 57 s
